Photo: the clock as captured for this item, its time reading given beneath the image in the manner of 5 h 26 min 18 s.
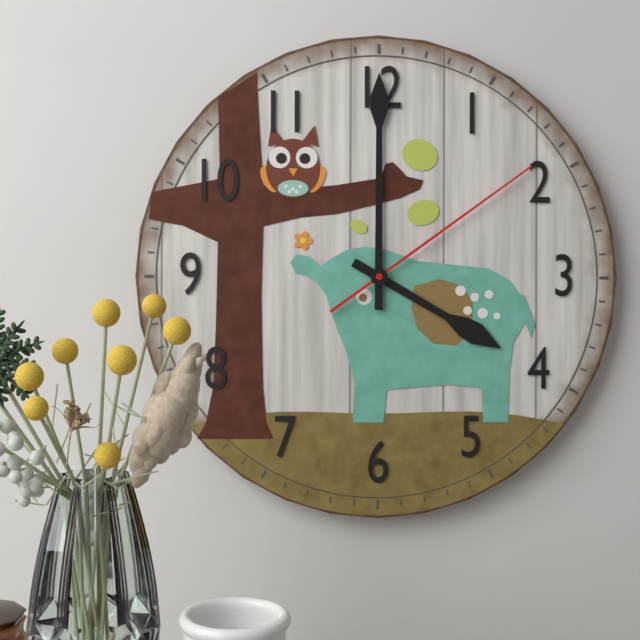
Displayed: 4 h 00 min 09 s
